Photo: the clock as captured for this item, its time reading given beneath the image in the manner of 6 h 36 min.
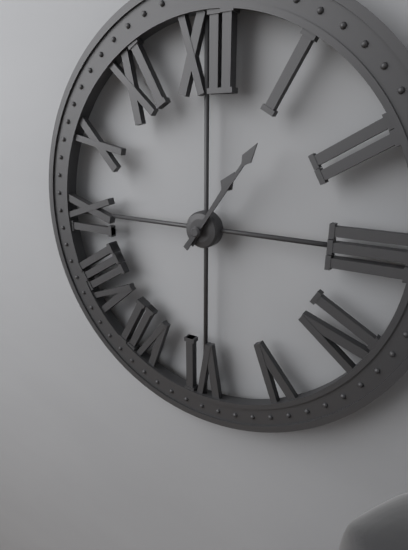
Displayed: 1 h 06 min
